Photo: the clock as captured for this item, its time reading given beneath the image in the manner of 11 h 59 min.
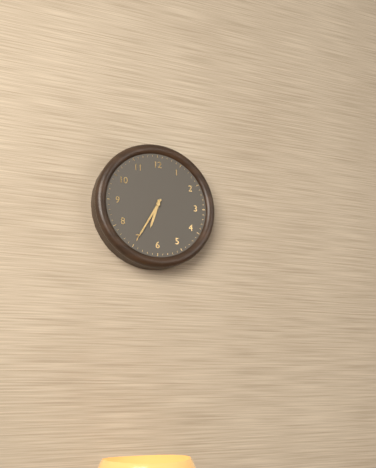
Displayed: 6 h 35 min
